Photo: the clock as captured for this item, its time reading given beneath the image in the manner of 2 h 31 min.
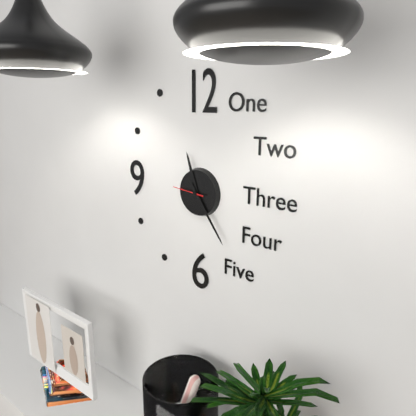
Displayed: 11 h 24 min
